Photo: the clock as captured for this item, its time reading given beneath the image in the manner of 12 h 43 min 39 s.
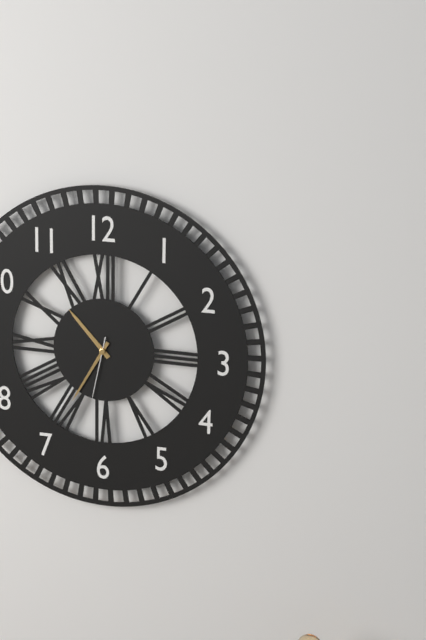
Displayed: 10 h 35 min 32 s
